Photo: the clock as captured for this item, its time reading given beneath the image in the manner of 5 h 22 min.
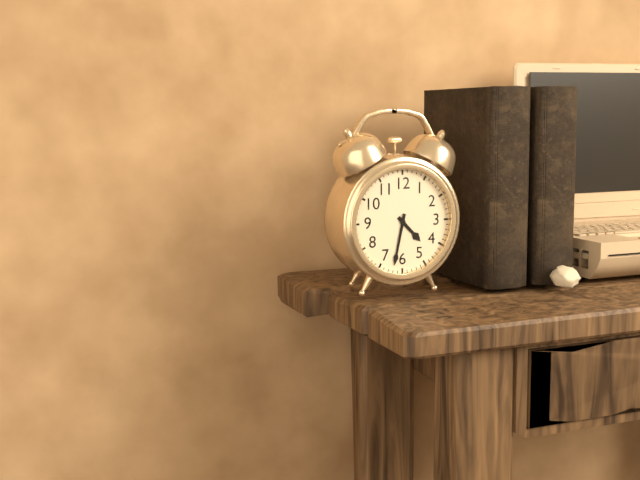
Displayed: 4 h 32 min
